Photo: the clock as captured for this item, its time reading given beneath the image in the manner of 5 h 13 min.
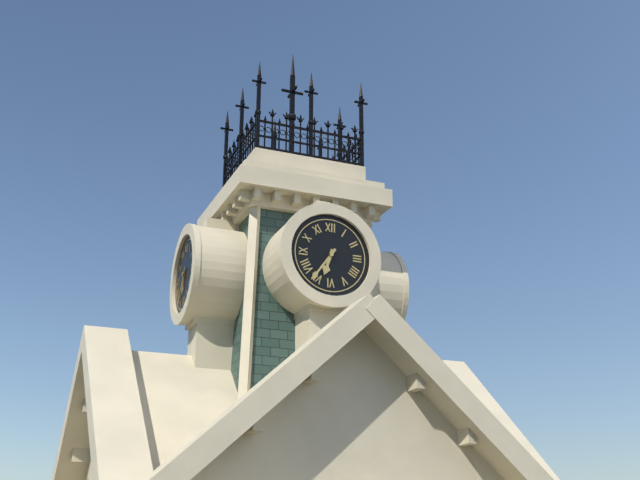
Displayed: 6 h 36 min
